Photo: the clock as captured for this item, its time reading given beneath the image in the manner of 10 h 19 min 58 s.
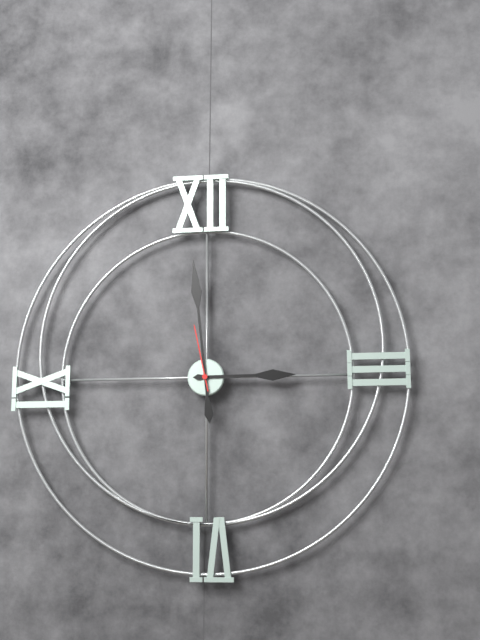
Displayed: 2 h 59 min 58 s
